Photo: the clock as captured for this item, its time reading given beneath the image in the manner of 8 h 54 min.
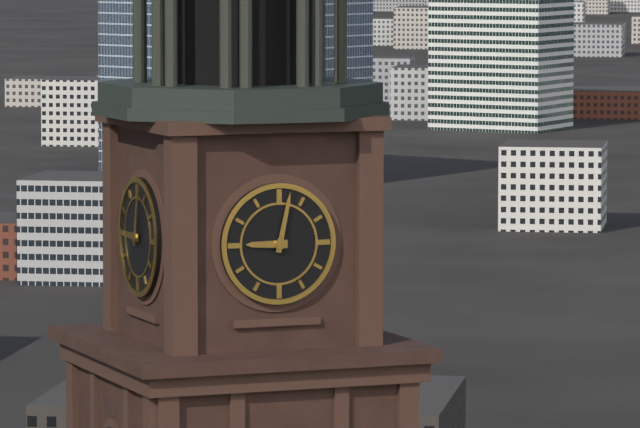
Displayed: 9 h 02 min
